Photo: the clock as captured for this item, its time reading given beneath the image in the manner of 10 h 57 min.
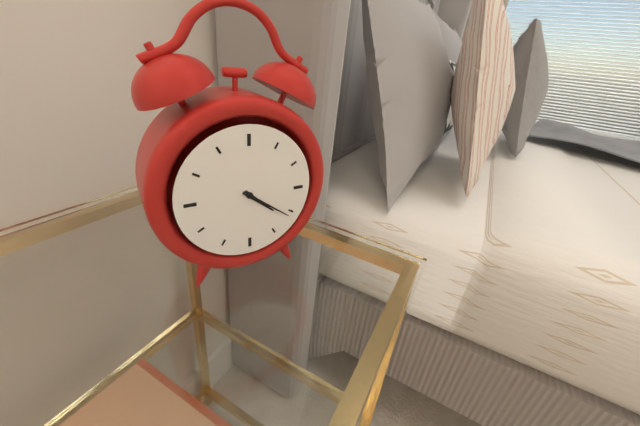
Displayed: 4 h 21 min
